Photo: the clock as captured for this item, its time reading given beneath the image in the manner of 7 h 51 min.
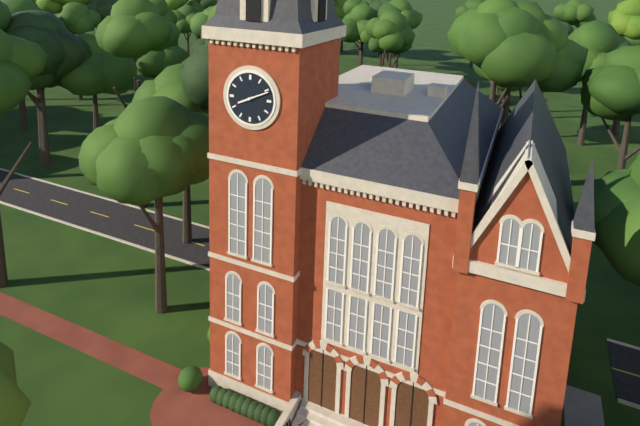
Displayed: 8 h 11 min
